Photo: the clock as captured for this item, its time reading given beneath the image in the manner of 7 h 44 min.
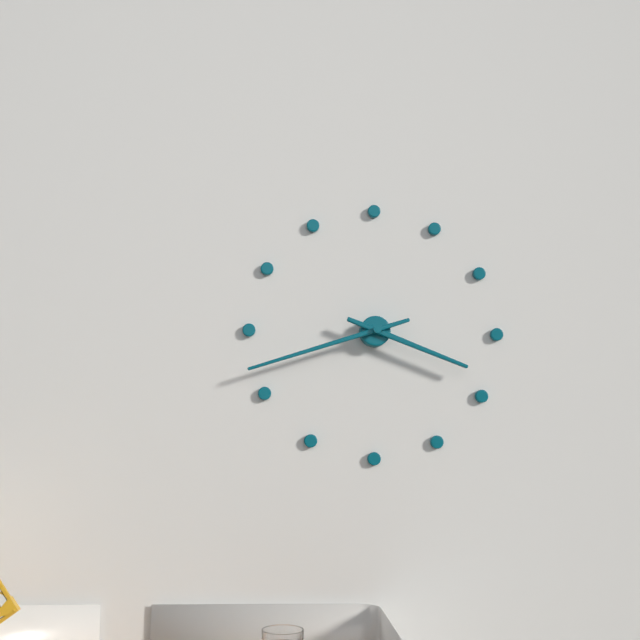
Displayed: 3 h 42 min
